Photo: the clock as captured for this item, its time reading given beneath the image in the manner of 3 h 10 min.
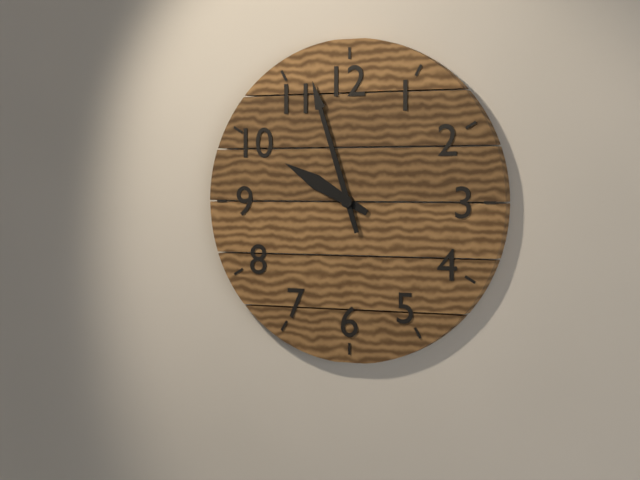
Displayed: 9 h 57 min
